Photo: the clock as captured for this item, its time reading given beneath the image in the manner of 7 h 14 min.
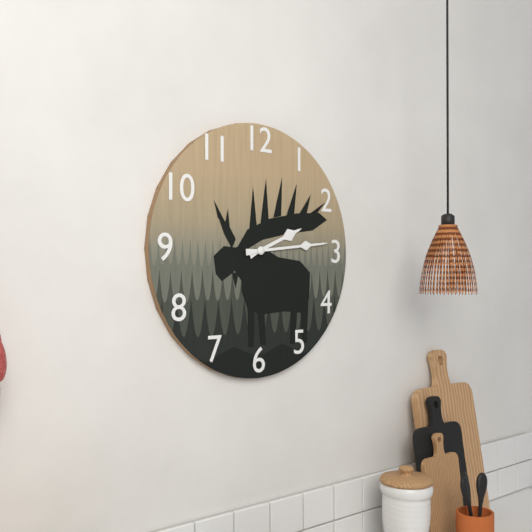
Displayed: 2 h 14 min
